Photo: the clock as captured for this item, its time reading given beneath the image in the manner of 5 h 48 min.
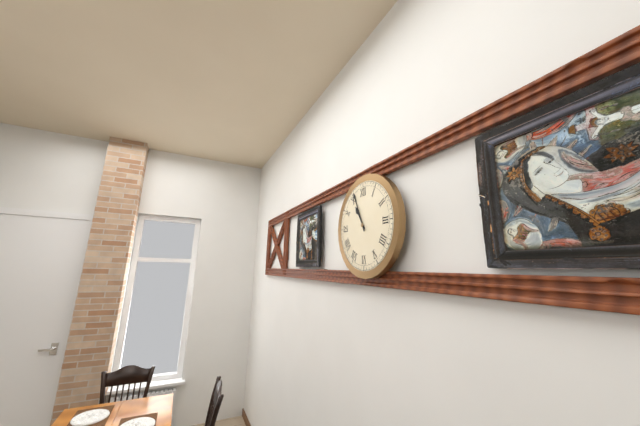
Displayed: 10 h 56 min
